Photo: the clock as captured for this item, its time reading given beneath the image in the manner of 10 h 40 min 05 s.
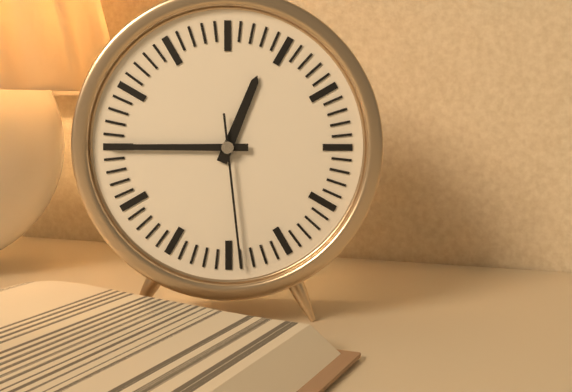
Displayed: 12 h 45 min 29 s
